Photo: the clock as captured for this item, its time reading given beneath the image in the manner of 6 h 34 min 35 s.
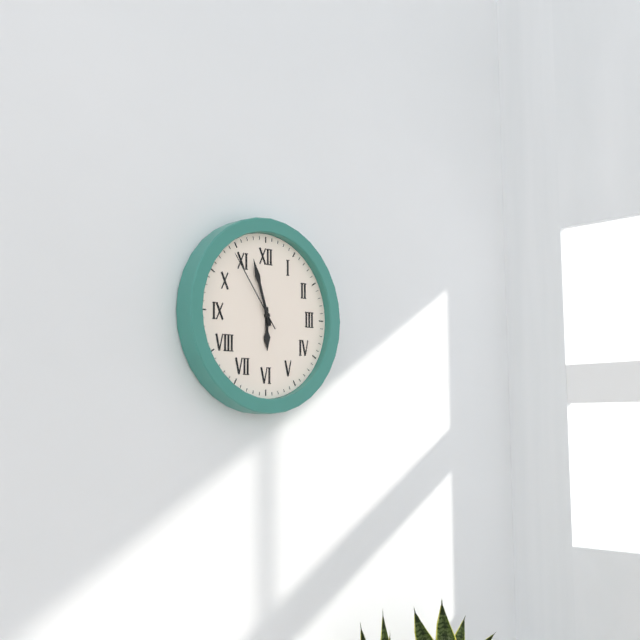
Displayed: 5 h 57 min 54 s
